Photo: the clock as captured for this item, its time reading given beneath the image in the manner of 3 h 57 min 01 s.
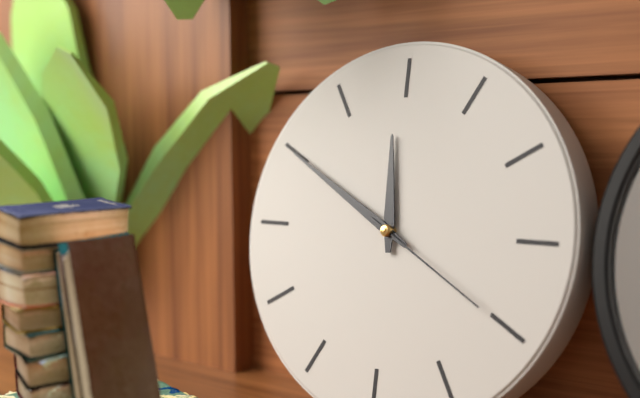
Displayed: 11 h 50 min 20 s
